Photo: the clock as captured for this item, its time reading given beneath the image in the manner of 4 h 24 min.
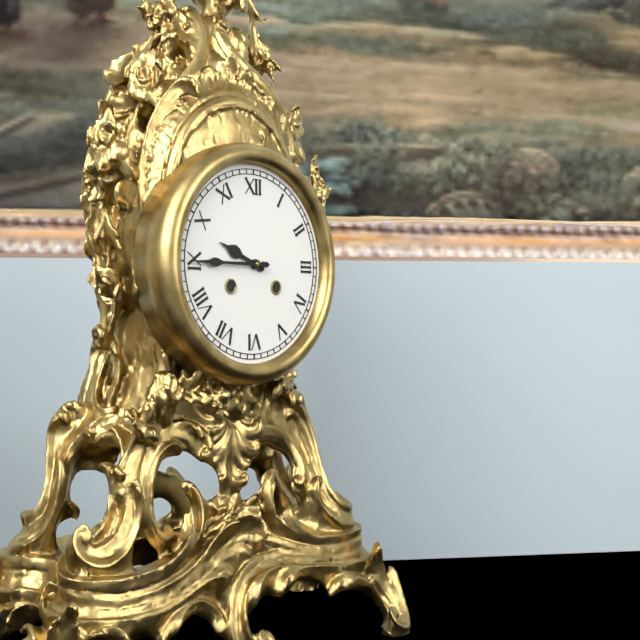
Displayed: 9 h 45 min
